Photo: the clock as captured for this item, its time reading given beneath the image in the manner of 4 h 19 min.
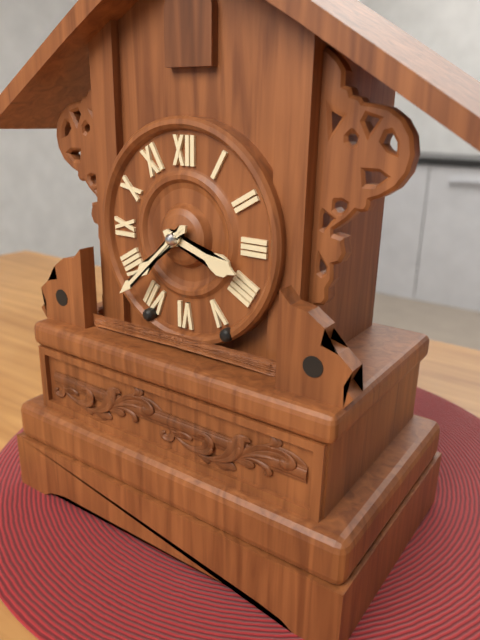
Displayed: 3 h 38 min
